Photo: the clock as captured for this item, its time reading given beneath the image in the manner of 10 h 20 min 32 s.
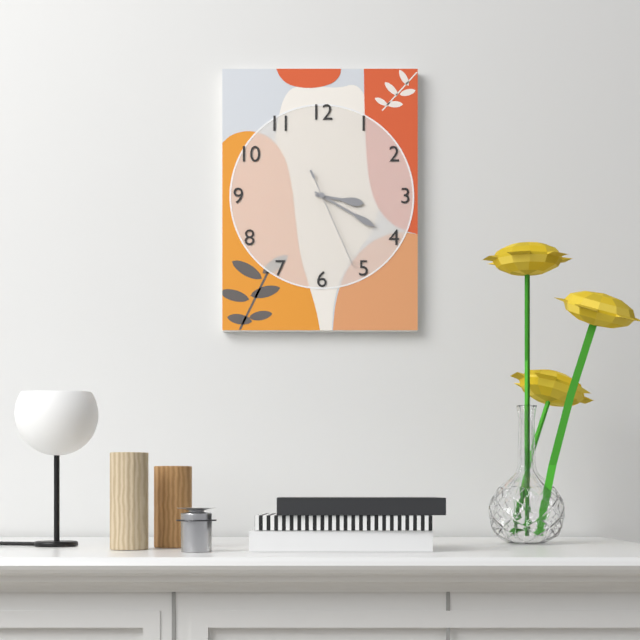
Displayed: 3 h 20 min 26 s
